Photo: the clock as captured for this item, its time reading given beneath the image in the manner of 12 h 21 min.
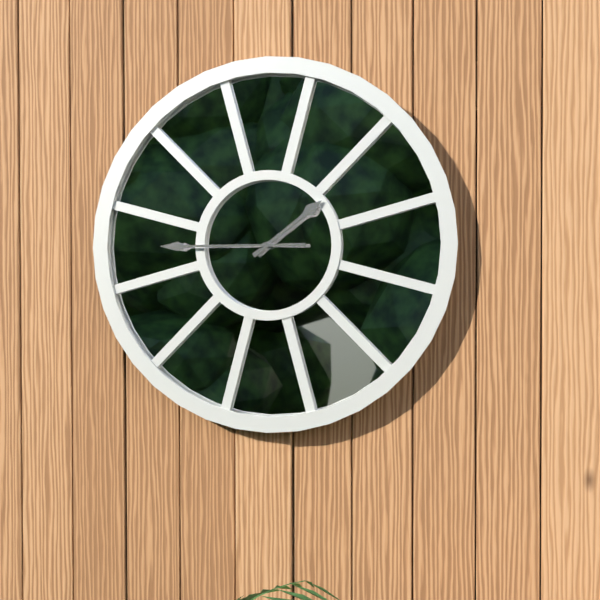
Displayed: 1 h 45 min
